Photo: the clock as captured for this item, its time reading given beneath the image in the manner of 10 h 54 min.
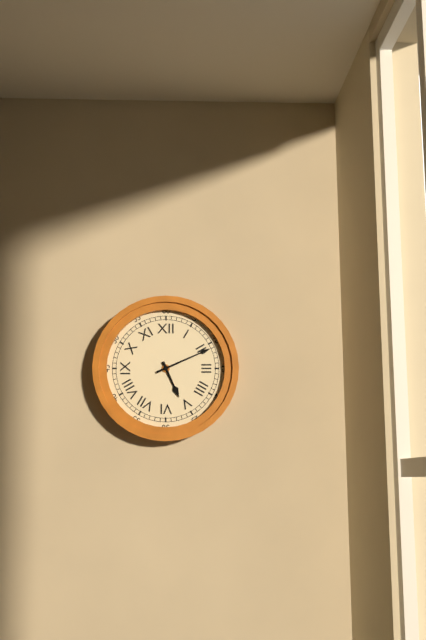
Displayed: 5 h 11 min
